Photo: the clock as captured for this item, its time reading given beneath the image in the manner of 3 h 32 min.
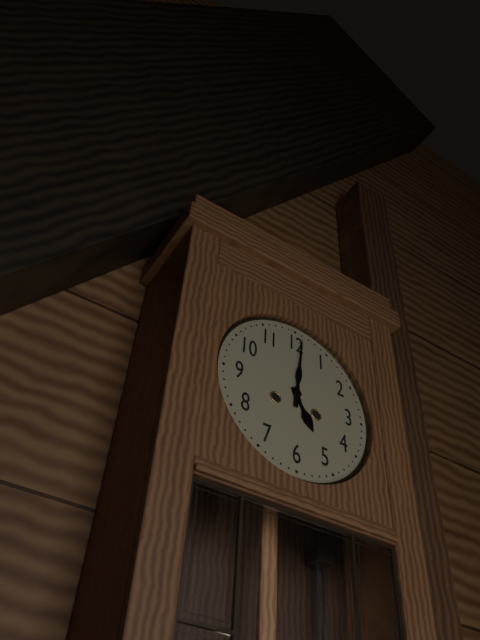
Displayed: 5 h 01 min
